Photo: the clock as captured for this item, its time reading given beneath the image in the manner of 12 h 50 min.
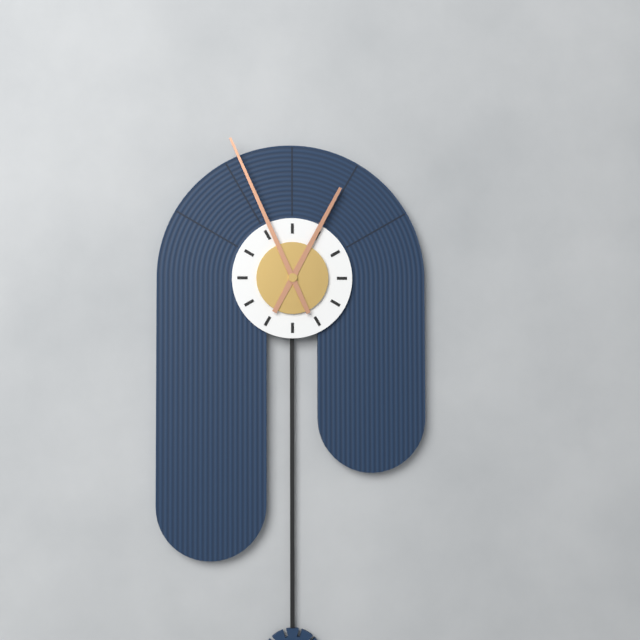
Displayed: 12 h 56 min
